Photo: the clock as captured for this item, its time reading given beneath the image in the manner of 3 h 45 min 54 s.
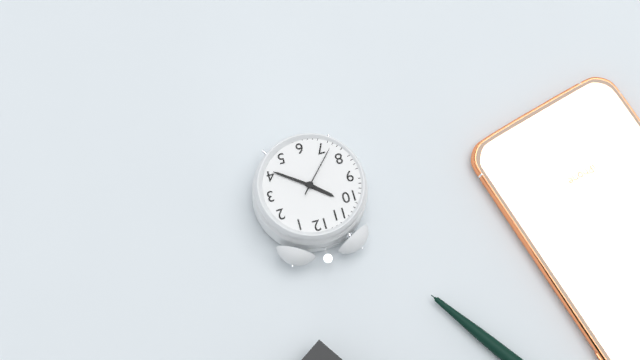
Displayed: 10 h 21 min 37 s
